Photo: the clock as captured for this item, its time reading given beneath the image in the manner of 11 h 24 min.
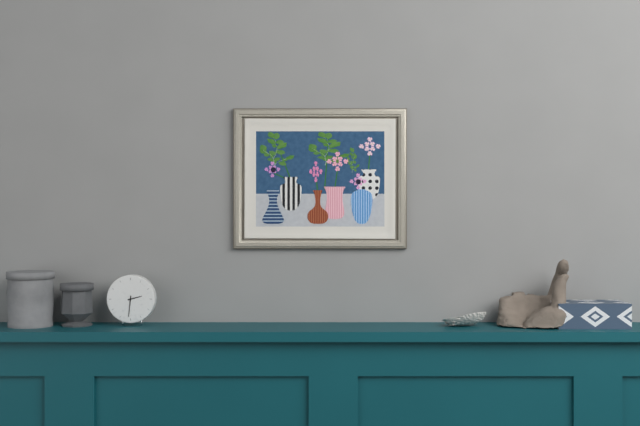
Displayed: 2 h 31 min
